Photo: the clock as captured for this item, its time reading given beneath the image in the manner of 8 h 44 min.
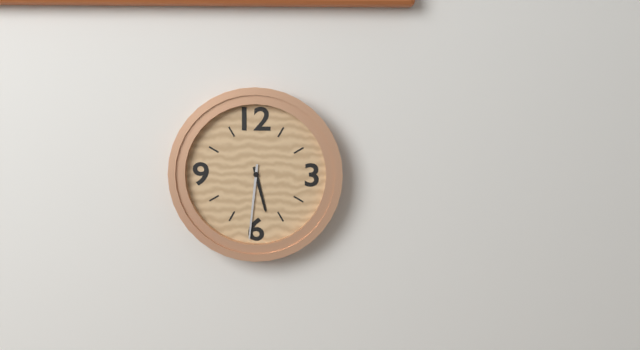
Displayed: 5 h 31 min
